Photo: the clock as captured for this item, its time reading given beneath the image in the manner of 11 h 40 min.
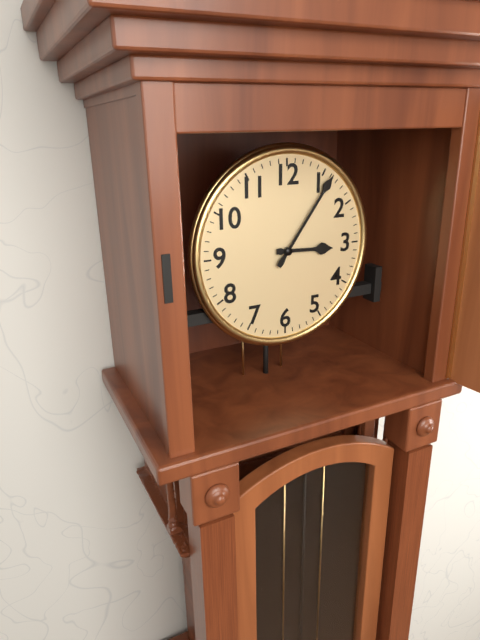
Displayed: 3 h 06 min
